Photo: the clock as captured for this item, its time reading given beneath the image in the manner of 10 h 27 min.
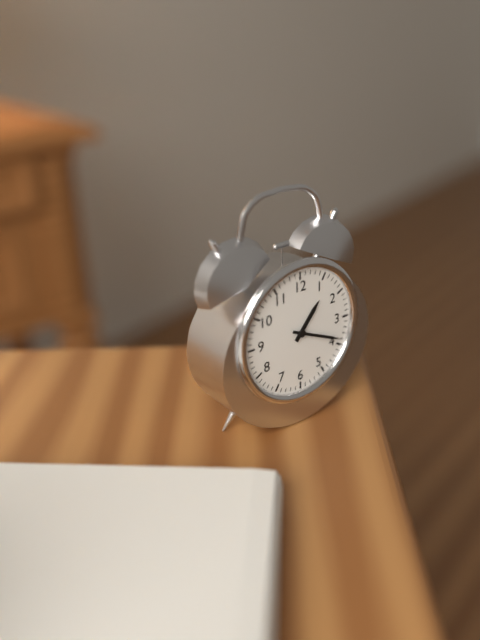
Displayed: 1 h 19 min
